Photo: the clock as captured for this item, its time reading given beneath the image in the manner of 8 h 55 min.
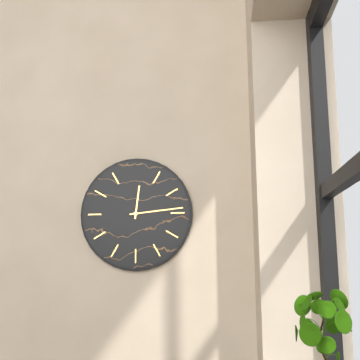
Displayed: 12 h 14 min
